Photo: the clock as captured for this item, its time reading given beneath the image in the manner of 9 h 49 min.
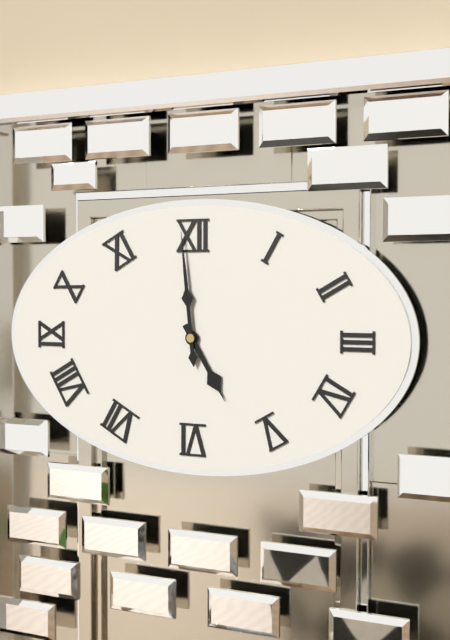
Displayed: 4 h 59 min
